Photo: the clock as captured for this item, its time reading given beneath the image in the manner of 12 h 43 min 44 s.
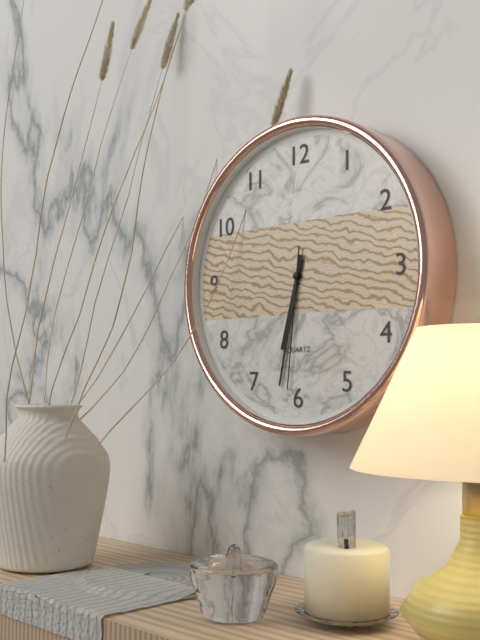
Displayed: 6 h 32 min 31 s
